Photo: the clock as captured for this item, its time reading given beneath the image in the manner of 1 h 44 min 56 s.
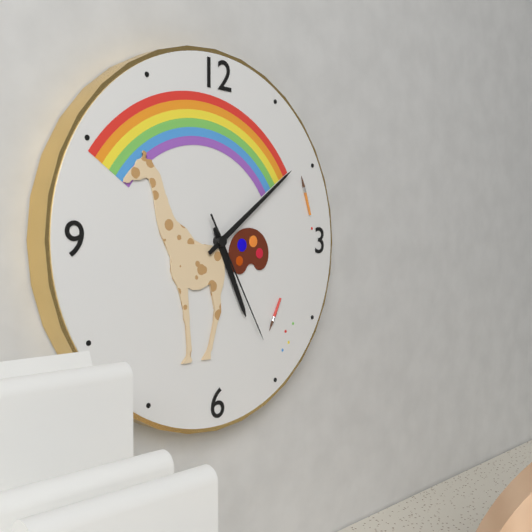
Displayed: 5 h 09 min 25 s
